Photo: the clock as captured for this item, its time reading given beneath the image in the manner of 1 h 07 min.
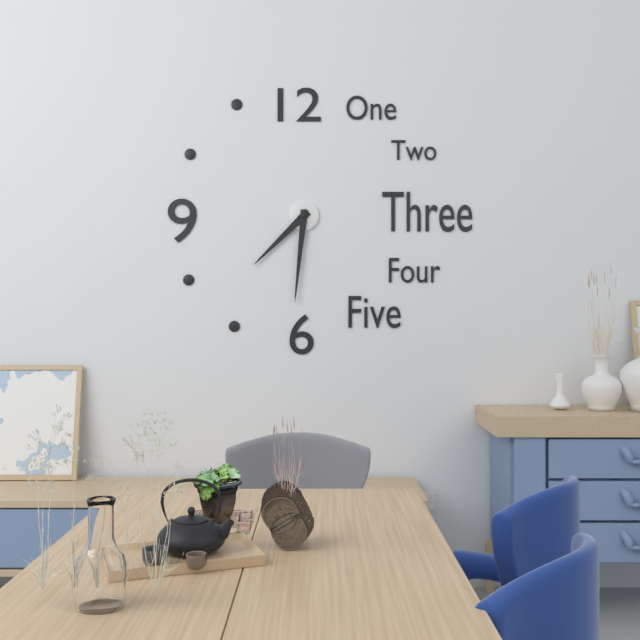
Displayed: 7 h 31 min
